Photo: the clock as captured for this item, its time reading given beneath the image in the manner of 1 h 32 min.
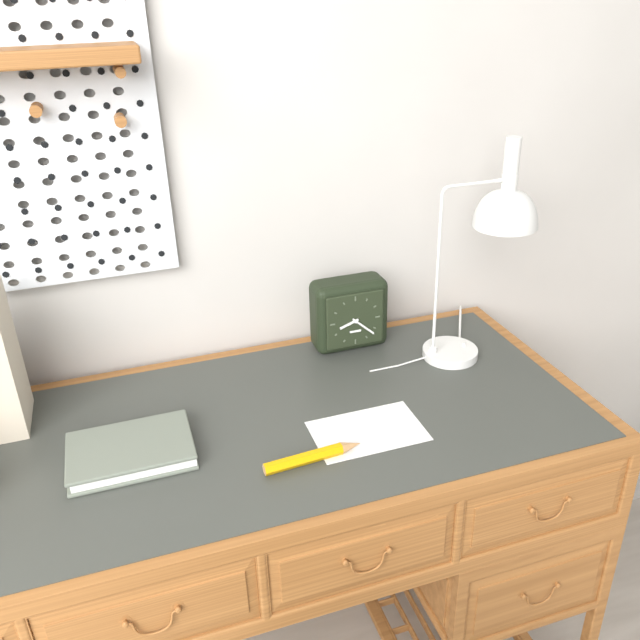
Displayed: 8 h 22 min
